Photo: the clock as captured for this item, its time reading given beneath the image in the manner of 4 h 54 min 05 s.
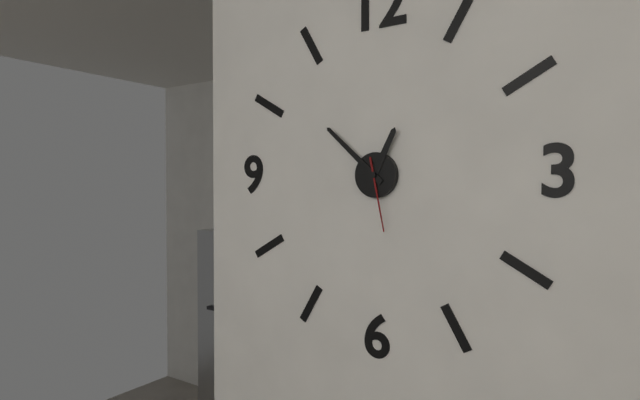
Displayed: 12 h 52 min 28 s
